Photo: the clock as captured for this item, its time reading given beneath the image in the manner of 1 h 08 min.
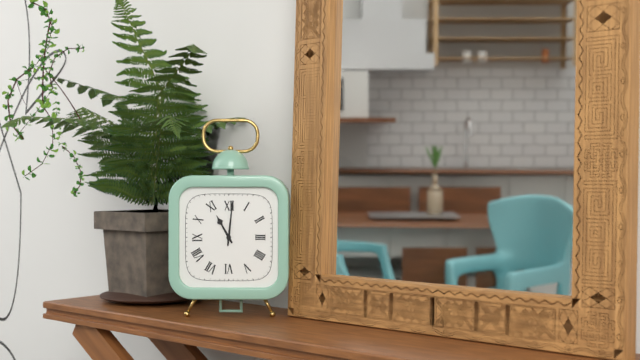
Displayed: 11 h 01 min
